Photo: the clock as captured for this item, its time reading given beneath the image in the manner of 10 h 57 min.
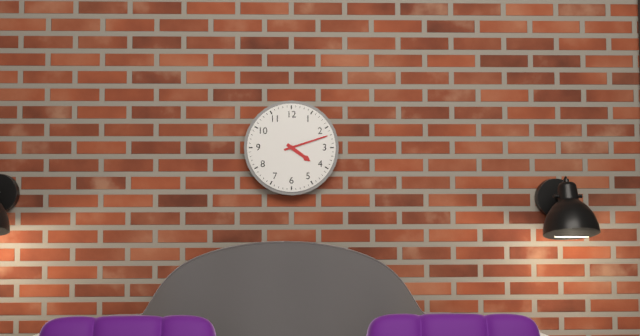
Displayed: 4 h 12 min
